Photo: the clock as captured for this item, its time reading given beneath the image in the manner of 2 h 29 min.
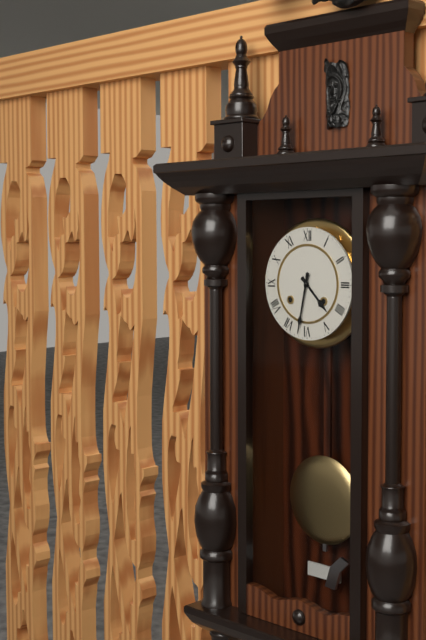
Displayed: 4 h 32 min
